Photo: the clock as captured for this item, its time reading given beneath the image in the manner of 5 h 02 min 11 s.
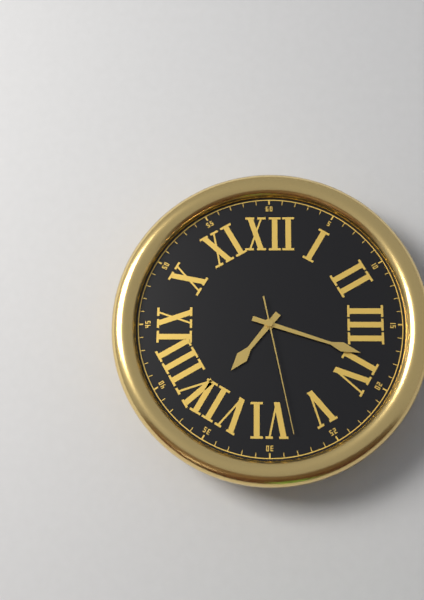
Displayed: 7 h 18 min 28 s
